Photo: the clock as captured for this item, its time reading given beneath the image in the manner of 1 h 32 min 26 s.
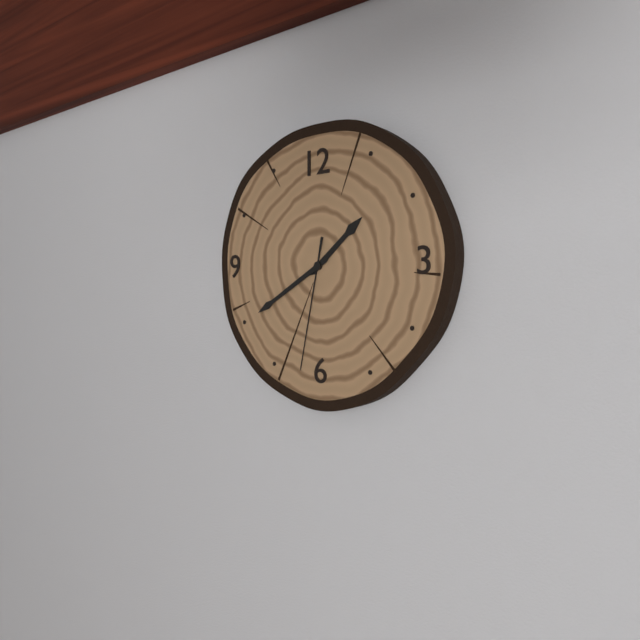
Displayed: 1 h 40 min 32 s
